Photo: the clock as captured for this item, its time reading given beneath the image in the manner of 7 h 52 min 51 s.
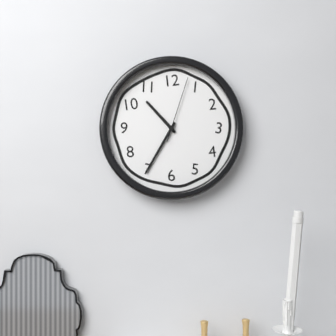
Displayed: 10 h 35 min 03 s
